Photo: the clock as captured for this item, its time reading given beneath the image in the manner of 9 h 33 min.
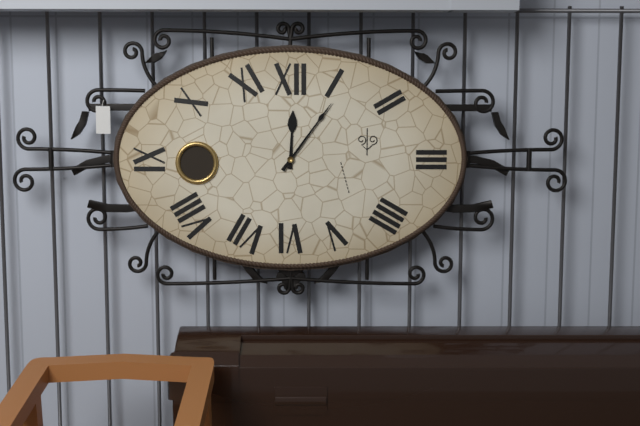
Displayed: 12 h 06 min
